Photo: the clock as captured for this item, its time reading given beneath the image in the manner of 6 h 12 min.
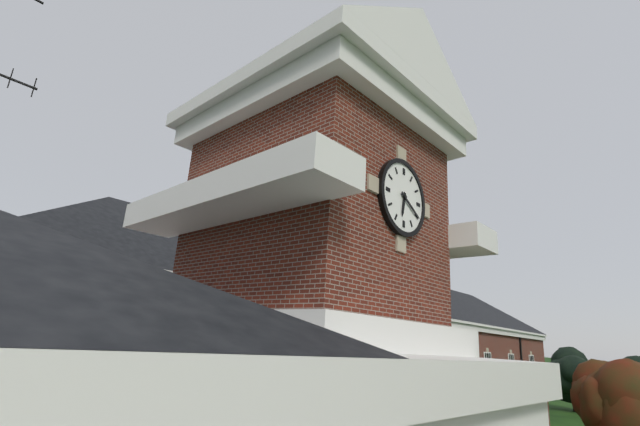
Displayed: 6 h 20 min
